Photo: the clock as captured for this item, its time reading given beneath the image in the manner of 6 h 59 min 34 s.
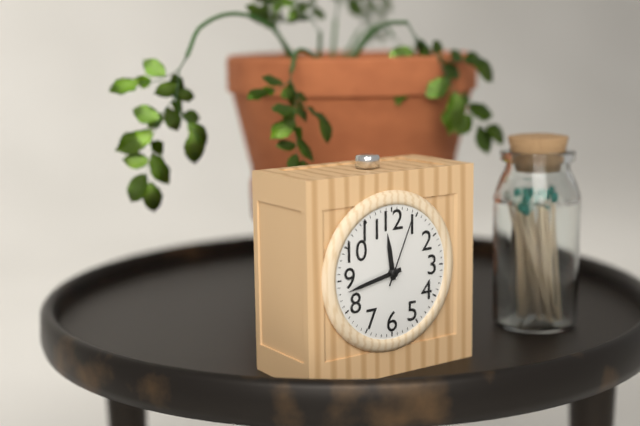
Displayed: 11 h 43 min 04 s
